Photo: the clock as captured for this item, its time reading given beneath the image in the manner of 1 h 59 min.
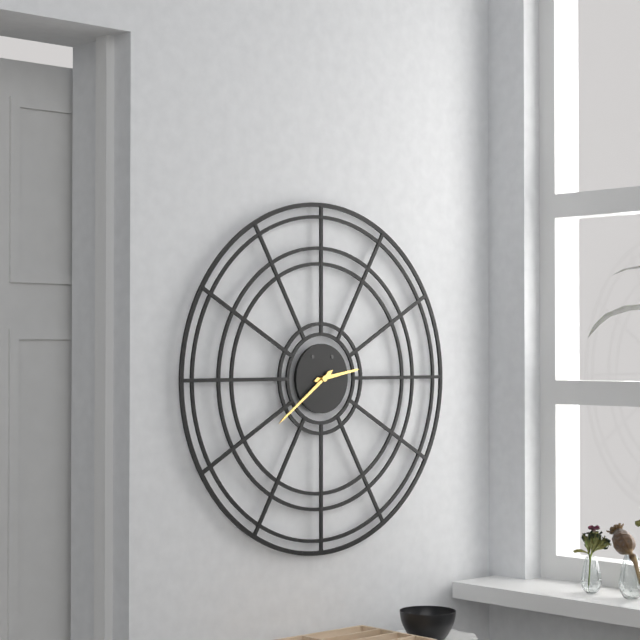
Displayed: 2 h 39 min
